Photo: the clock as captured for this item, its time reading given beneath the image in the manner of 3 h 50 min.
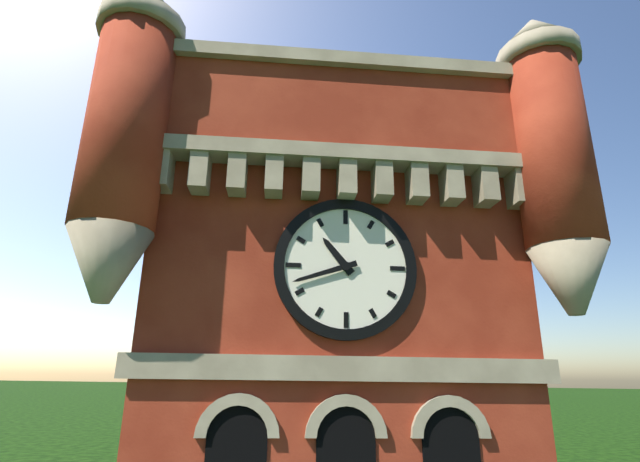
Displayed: 10 h 42 min
